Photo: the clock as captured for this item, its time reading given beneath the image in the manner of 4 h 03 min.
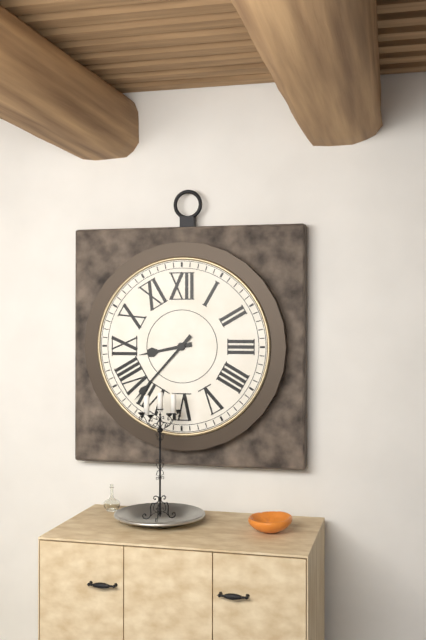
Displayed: 8 h 37 min
